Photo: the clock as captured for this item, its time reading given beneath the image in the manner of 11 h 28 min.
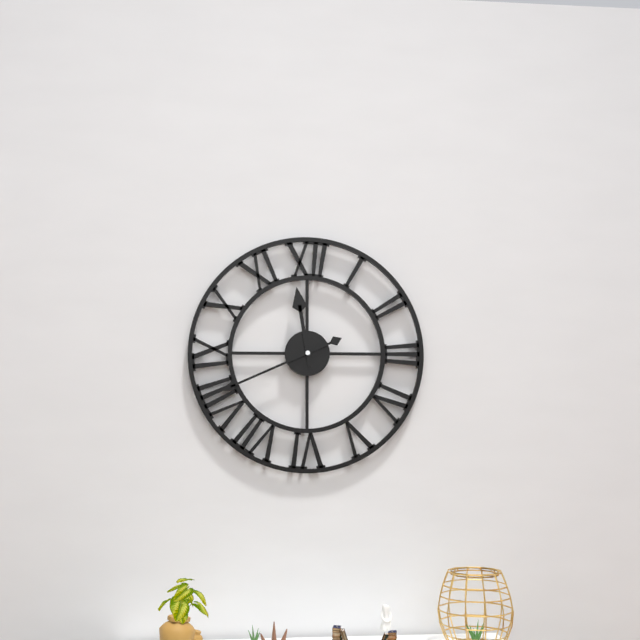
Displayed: 11 h 41 min
